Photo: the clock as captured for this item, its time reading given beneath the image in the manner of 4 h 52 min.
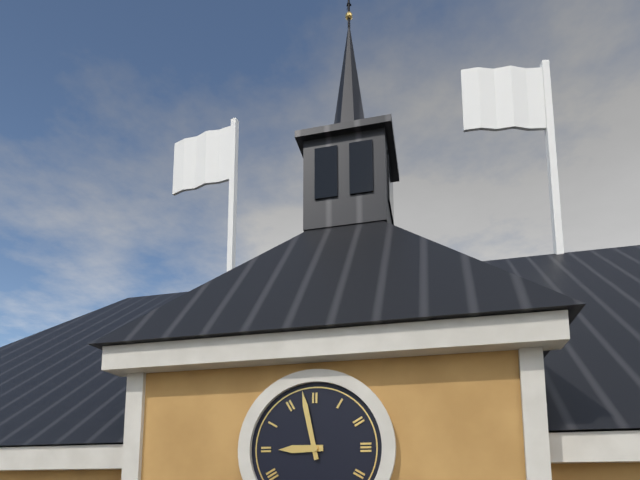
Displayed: 8 h 58 min
